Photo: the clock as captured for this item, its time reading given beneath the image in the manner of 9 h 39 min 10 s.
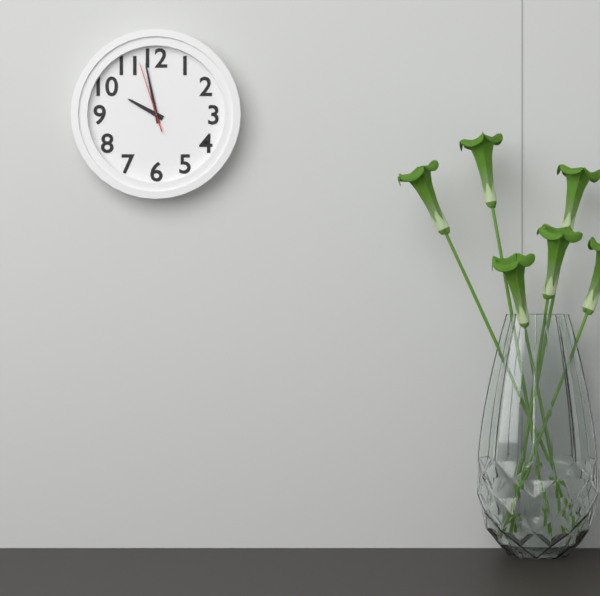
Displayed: 9 h 58 min 57 s
